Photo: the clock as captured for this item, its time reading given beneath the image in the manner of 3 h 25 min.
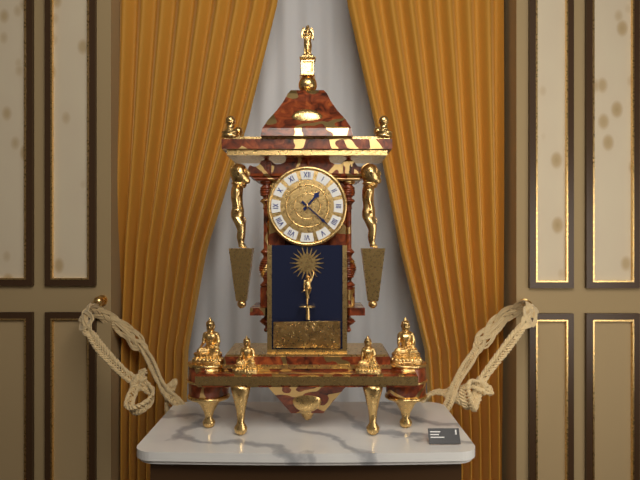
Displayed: 1 h 22 min
